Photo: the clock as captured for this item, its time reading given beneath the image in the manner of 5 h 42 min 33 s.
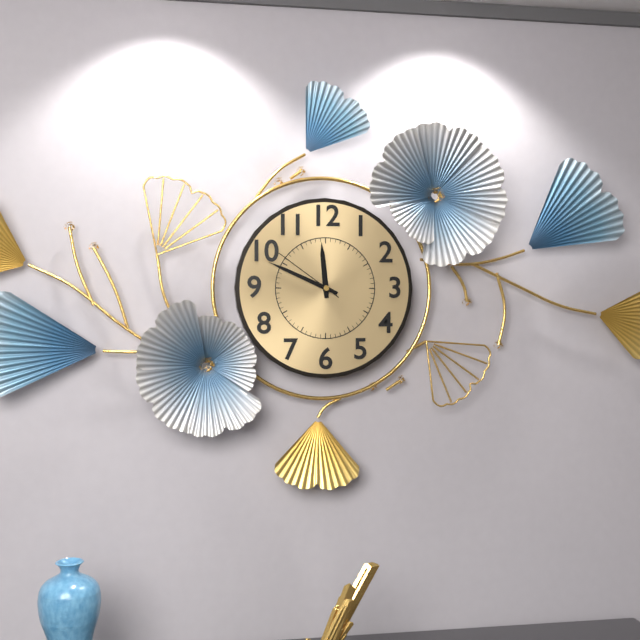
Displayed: 11 h 49 min 51 s
